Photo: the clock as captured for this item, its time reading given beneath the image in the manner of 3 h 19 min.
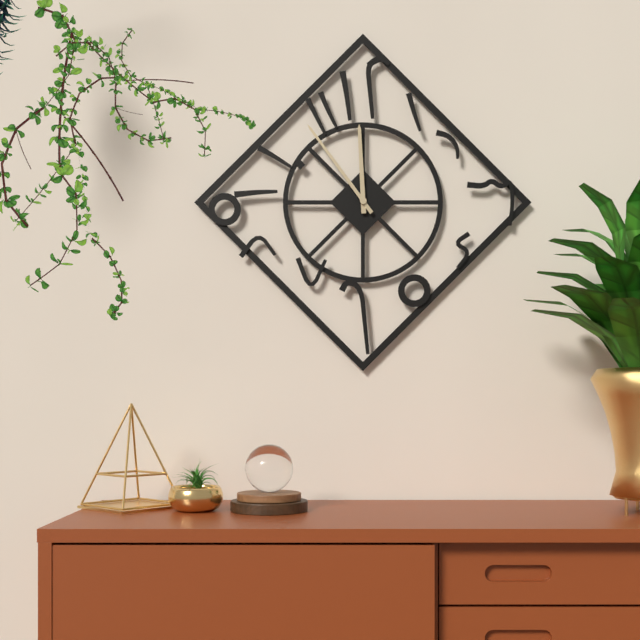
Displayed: 11 h 54 min
